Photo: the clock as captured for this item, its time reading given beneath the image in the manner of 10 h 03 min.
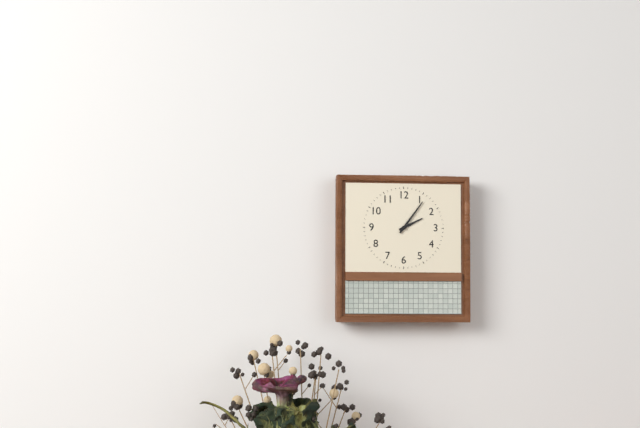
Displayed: 2 h 06 min
